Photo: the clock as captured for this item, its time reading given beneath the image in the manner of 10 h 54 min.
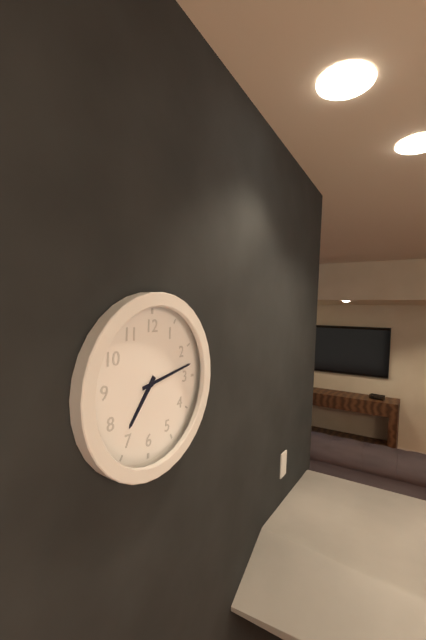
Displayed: 7 h 13 min
